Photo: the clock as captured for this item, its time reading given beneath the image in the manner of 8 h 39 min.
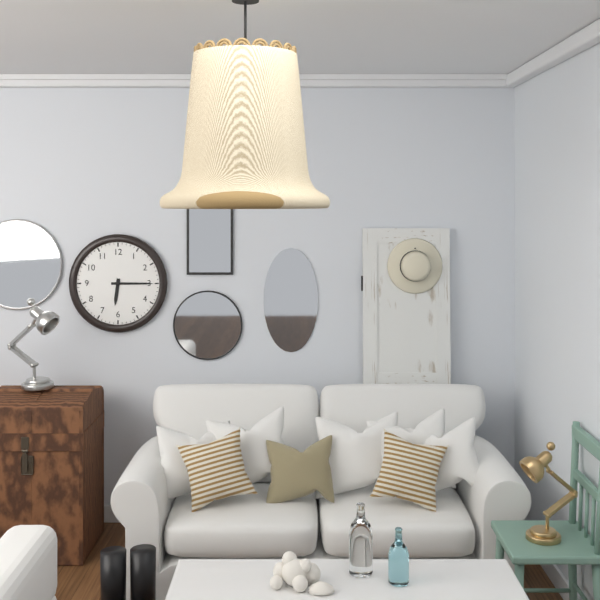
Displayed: 6 h 15 min
